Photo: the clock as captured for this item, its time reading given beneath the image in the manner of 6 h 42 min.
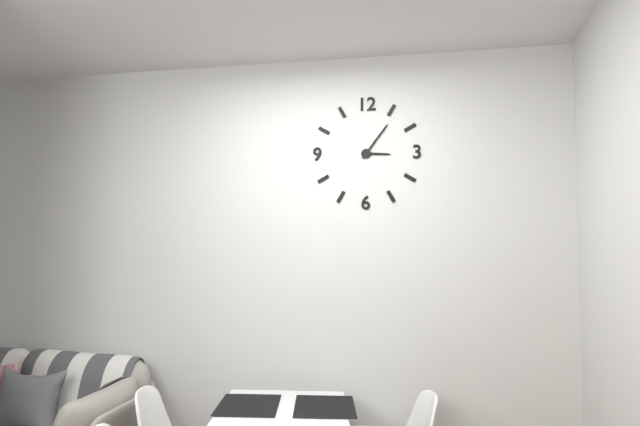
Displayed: 3 h 06 min
